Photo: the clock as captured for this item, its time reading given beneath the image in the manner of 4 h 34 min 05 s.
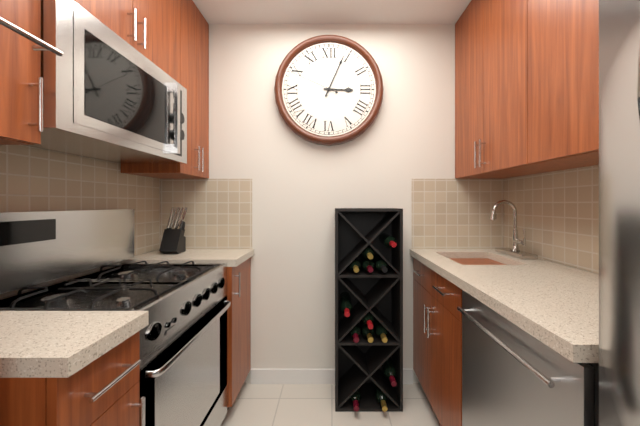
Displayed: 3 h 04 min 49 s
